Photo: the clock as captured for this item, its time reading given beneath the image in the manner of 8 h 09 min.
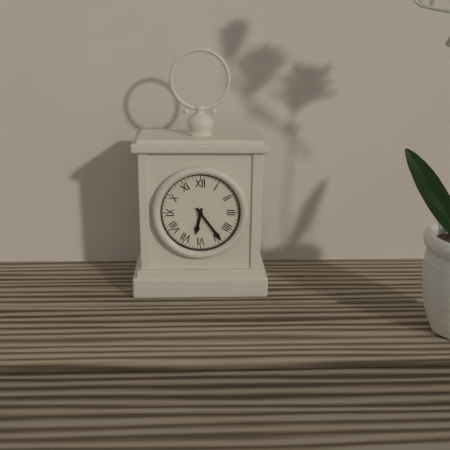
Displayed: 6 h 24 min
